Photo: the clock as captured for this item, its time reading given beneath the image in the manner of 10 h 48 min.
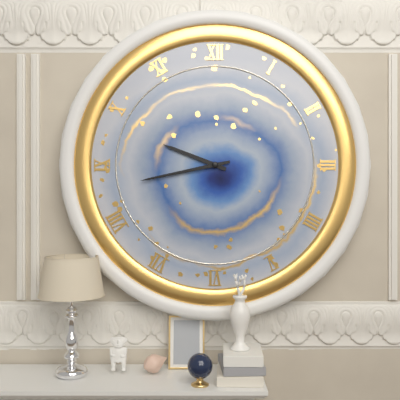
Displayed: 9 h 43 min
